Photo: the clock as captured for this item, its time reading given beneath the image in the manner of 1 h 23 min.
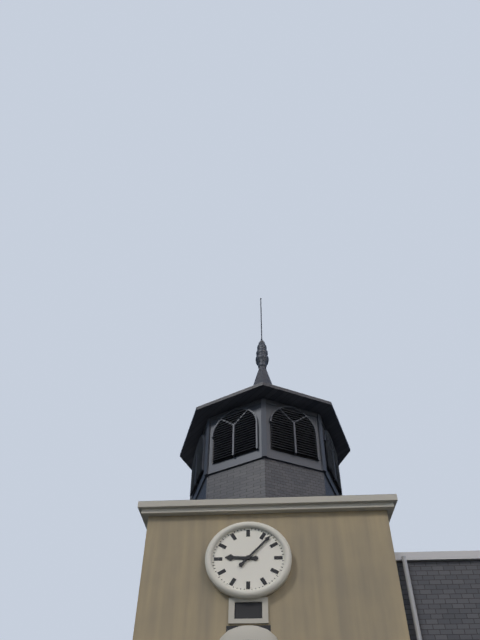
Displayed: 9 h 07 min
